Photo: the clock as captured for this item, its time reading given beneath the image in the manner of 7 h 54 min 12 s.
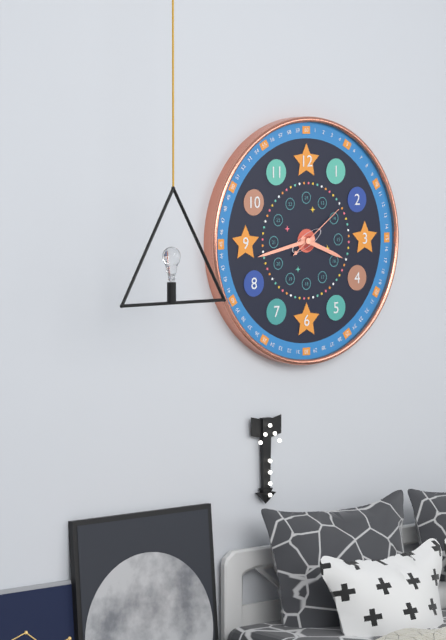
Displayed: 3 h 43 min 09 s
